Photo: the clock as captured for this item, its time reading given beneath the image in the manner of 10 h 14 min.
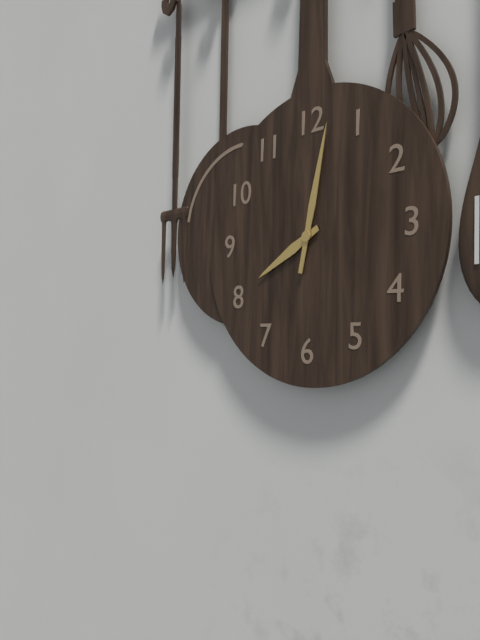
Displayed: 8 h 02 min
